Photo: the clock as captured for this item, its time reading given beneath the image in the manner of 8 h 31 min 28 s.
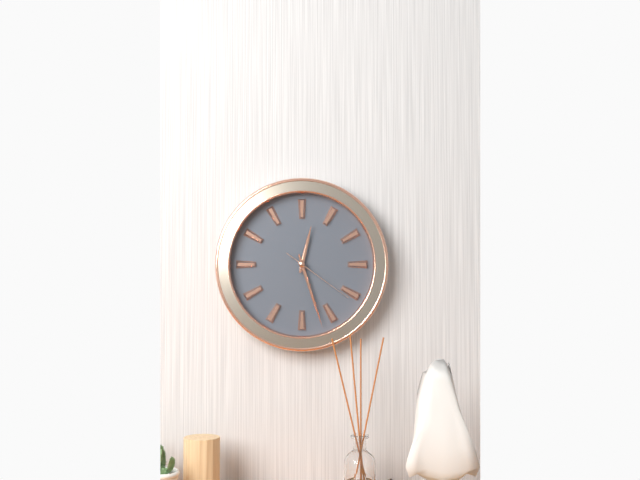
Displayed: 12 h 27 min 21 s
